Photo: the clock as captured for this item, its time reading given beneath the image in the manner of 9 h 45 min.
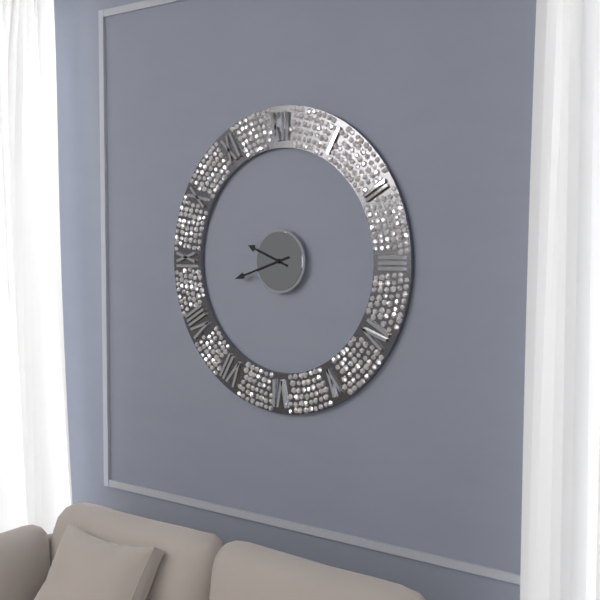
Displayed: 9 h 42 min
